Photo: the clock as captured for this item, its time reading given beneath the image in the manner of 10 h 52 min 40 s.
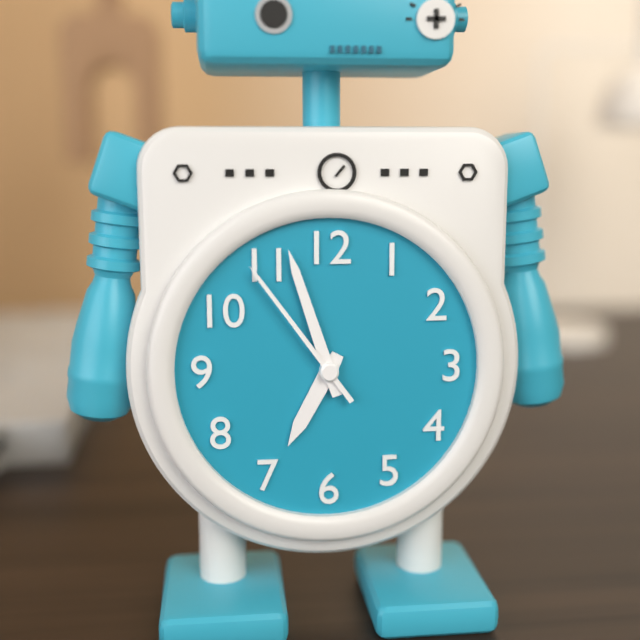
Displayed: 6 h 57 min 54 s
